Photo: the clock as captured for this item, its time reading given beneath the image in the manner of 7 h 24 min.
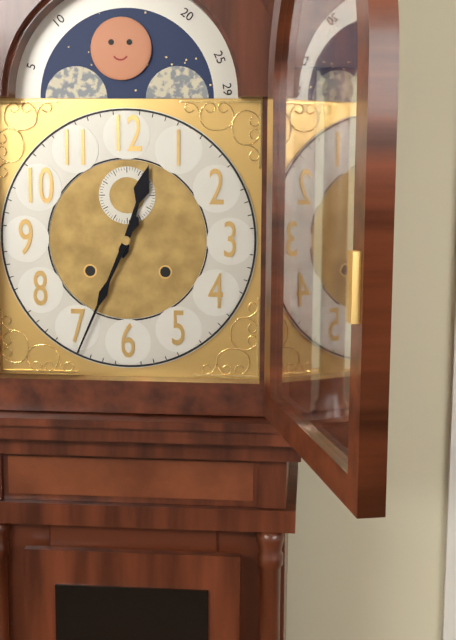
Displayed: 12 h 34 min
